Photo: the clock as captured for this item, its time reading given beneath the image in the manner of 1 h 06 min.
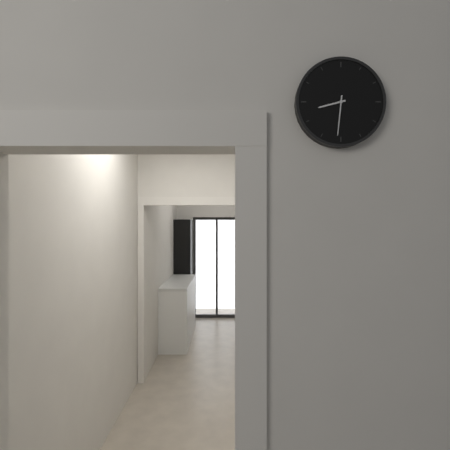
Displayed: 8 h 31 min
